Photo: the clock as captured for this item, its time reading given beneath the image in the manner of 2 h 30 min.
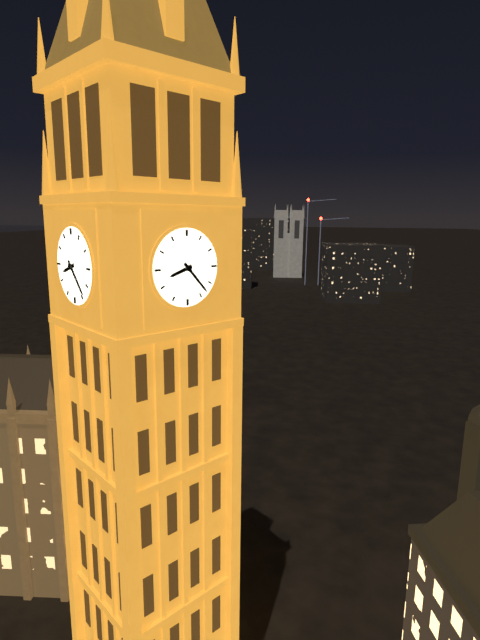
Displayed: 8 h 23 min
